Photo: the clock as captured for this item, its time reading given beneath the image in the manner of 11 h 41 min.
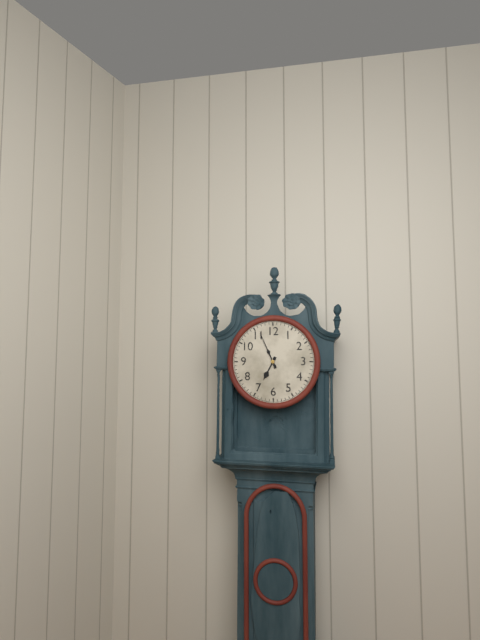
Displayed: 6 h 56 min
